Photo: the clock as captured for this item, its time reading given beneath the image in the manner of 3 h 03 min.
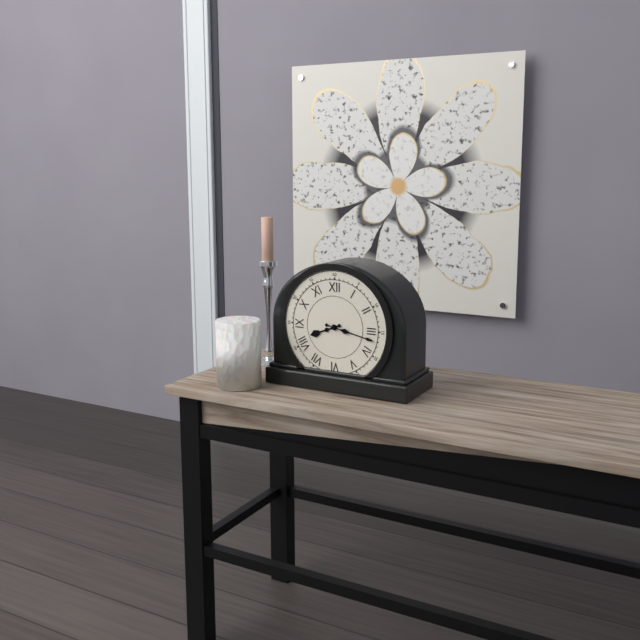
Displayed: 8 h 17 min
